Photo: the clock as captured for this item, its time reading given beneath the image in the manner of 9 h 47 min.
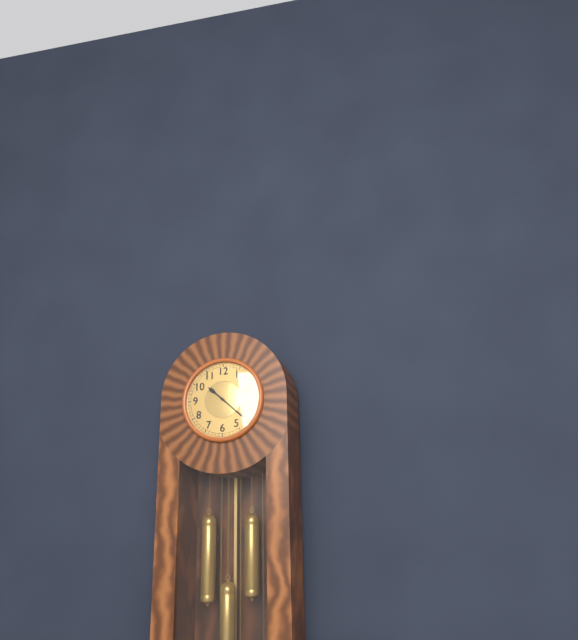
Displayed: 10 h 22 min
